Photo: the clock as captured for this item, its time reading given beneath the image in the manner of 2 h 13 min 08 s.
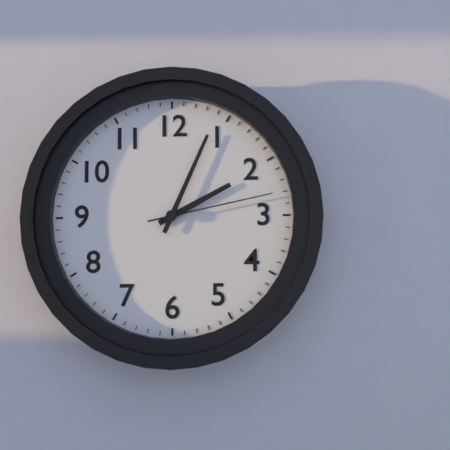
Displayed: 2 h 04 min 13 s
